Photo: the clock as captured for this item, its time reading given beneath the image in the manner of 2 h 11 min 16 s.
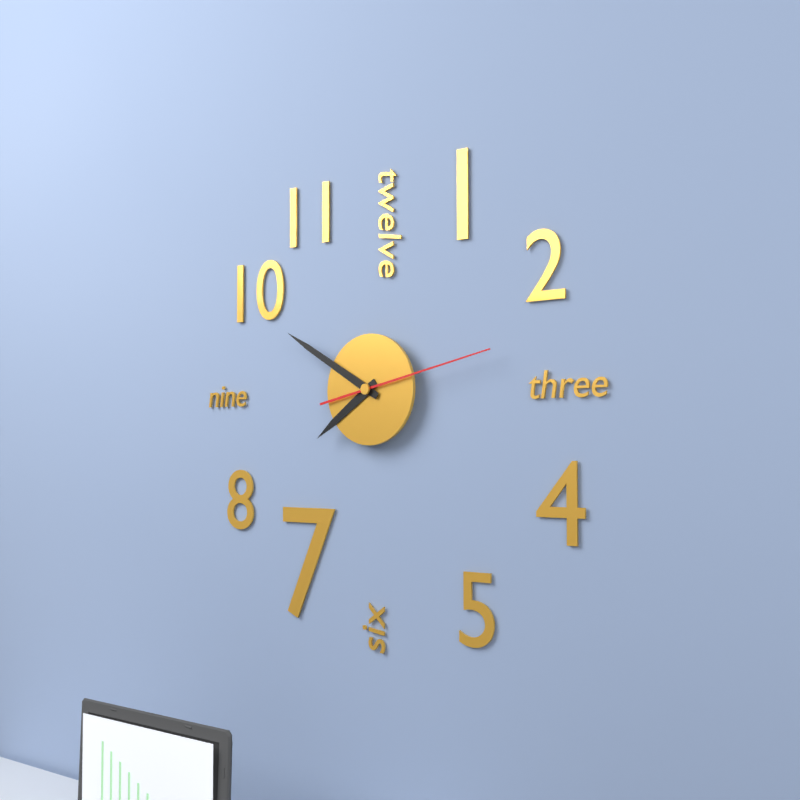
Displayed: 7 h 50 min 13 s
